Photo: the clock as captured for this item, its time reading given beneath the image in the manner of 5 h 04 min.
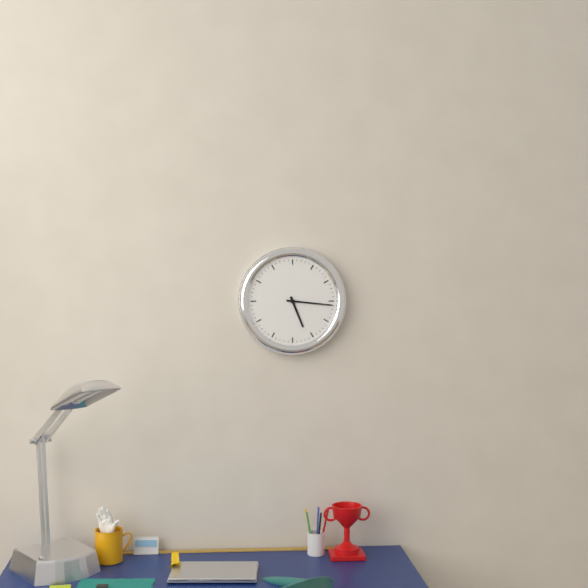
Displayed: 5 h 16 min
